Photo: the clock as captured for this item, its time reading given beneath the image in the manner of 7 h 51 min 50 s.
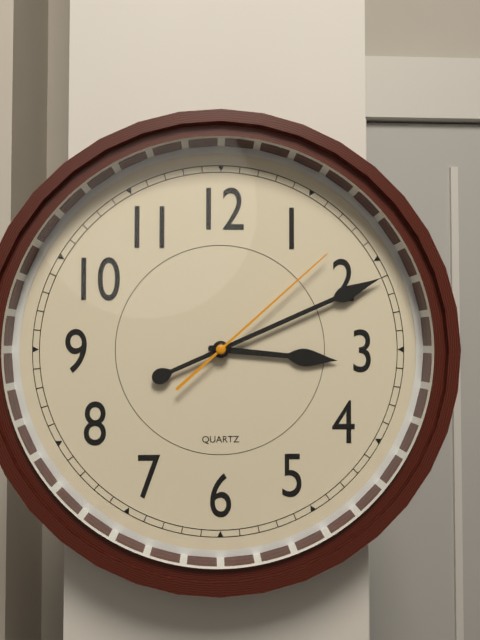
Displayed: 3 h 11 min 08 s
